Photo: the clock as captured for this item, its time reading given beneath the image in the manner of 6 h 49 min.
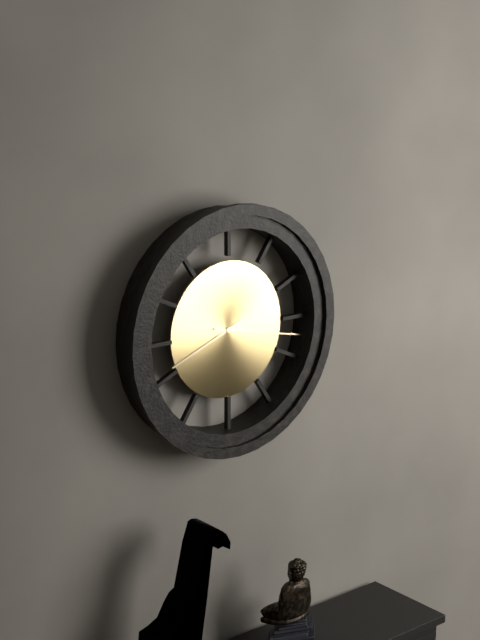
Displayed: 8 h 17 min
